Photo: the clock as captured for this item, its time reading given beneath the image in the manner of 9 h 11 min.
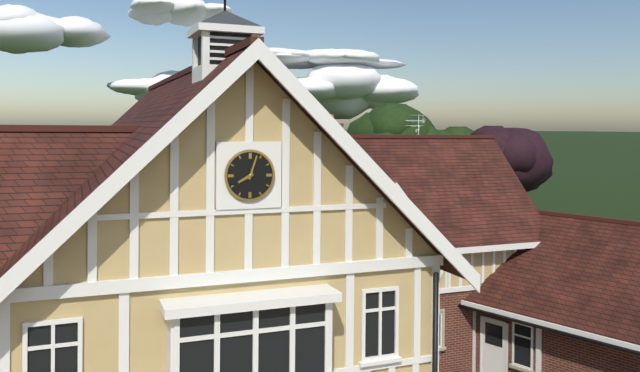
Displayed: 8 h 03 min
